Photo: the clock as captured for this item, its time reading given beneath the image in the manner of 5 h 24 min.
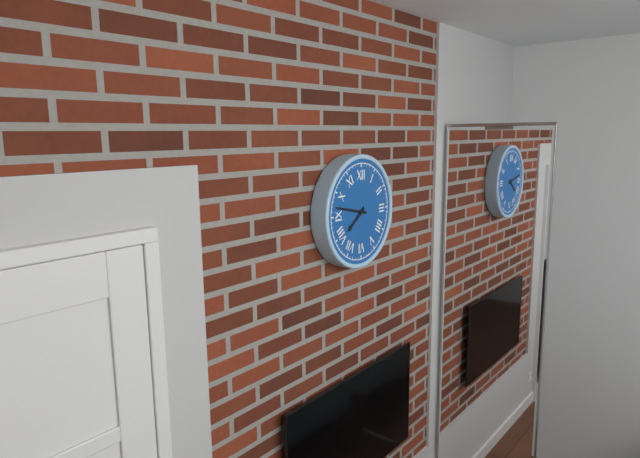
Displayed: 7 h 47 min
